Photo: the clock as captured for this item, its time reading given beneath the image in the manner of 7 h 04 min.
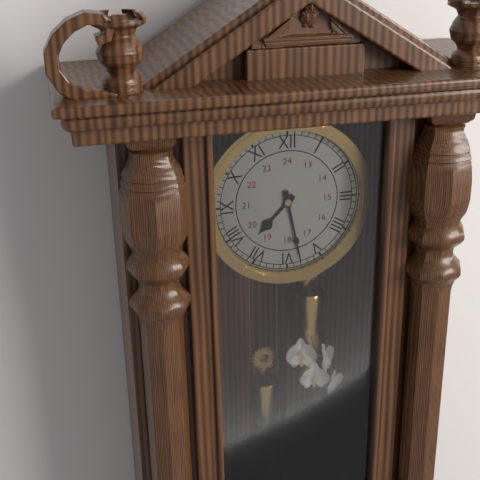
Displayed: 7 h 28 min
